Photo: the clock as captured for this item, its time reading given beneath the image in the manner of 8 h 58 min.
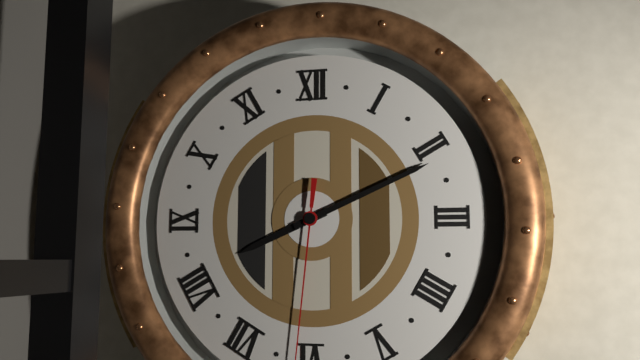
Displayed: 8 h 11 min
